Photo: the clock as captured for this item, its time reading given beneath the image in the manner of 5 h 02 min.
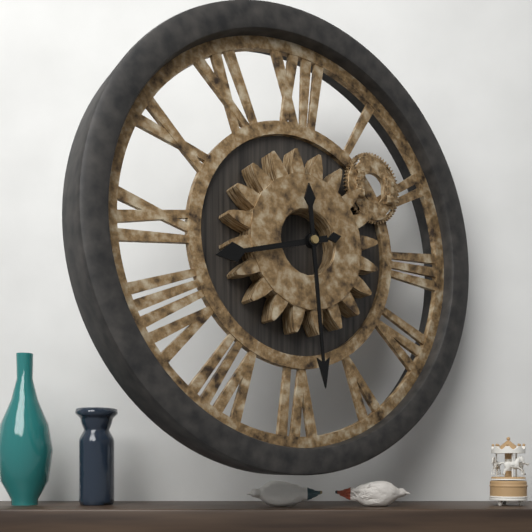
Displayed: 8 h 29 min
